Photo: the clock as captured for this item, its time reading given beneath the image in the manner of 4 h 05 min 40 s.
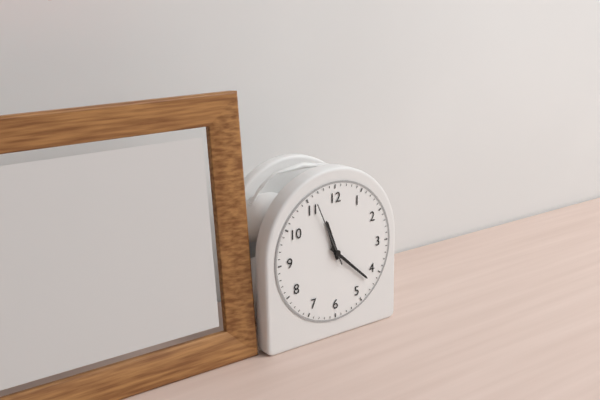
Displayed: 11 h 22 min 56 s
